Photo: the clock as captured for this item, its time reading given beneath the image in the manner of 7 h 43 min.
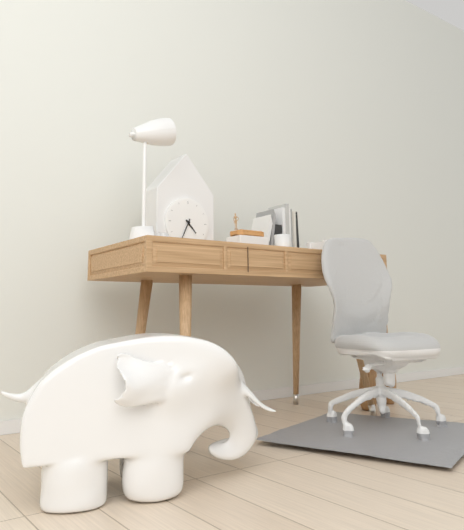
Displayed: 4 h 34 min
